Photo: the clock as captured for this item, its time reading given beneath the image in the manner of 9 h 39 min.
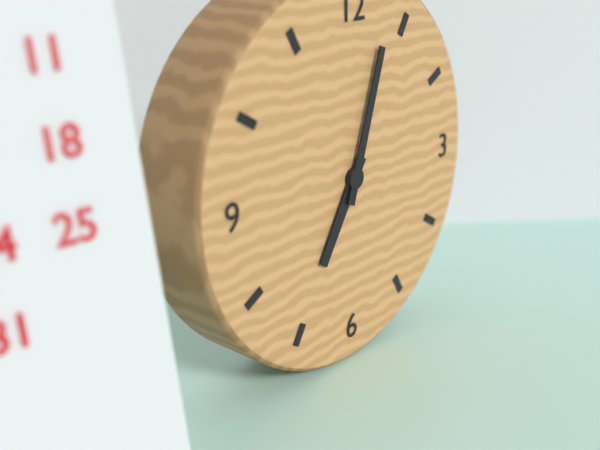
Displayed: 7 h 03 min
